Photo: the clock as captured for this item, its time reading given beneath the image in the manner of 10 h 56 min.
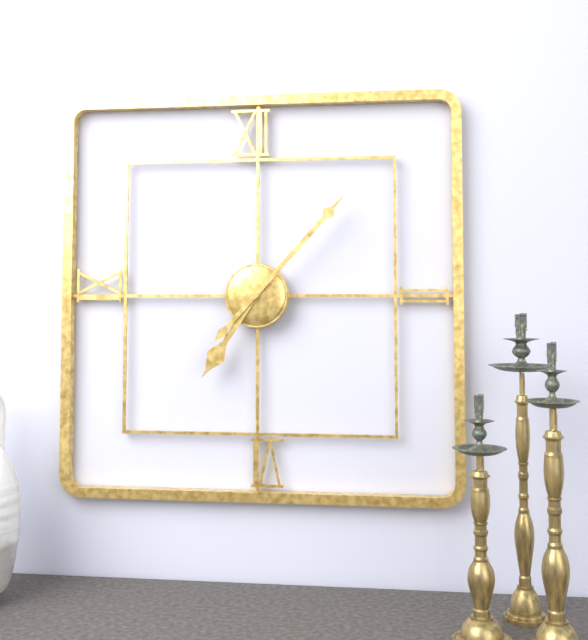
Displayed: 7 h 07 min
